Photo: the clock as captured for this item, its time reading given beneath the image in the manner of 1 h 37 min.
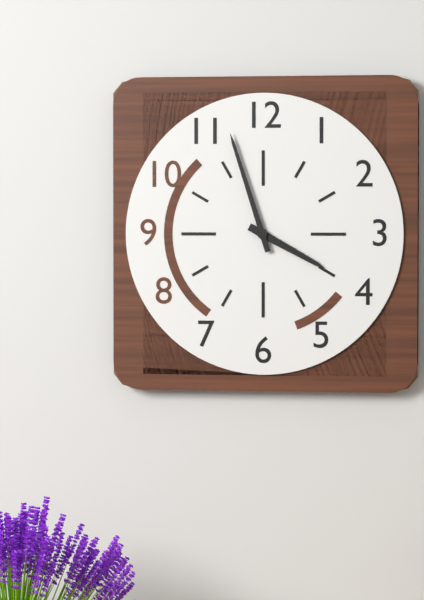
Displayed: 3 h 57 min
